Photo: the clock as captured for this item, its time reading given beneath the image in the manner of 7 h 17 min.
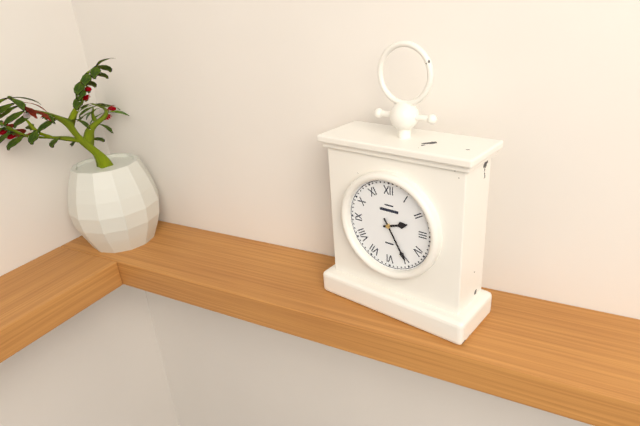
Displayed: 2 h 25 min
